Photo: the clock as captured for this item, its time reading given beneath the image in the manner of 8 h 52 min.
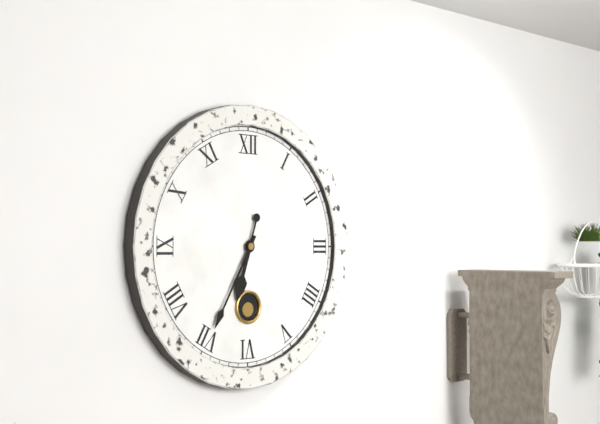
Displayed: 6 h 35 min
